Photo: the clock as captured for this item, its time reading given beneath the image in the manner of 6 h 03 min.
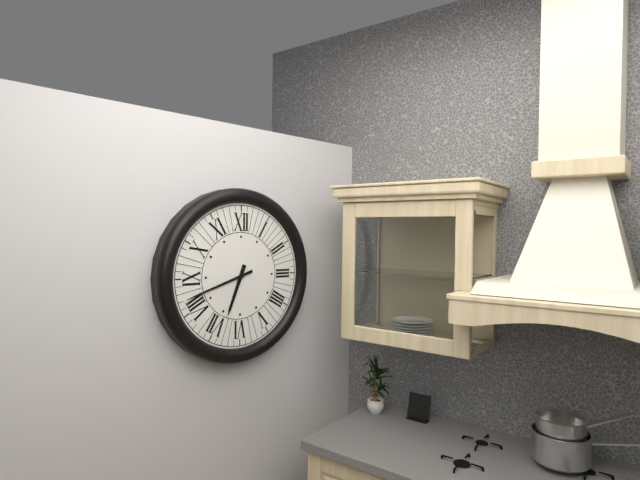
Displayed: 6 h 42 min
